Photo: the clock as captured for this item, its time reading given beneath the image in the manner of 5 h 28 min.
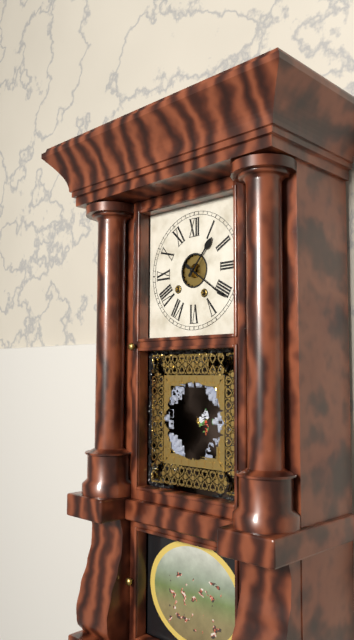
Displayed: 1 h 21 min
